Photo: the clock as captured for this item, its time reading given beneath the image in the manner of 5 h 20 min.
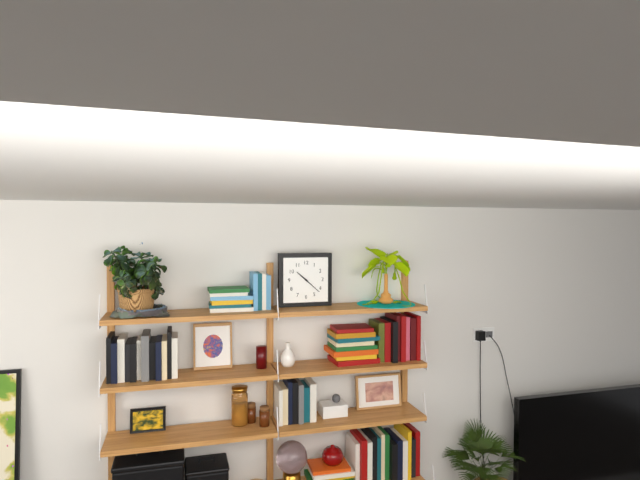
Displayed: 10 h 22 min
